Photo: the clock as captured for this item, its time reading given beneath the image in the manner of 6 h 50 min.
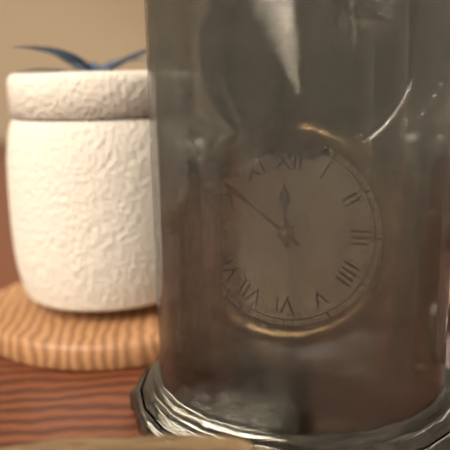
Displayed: 11 h 51 min
